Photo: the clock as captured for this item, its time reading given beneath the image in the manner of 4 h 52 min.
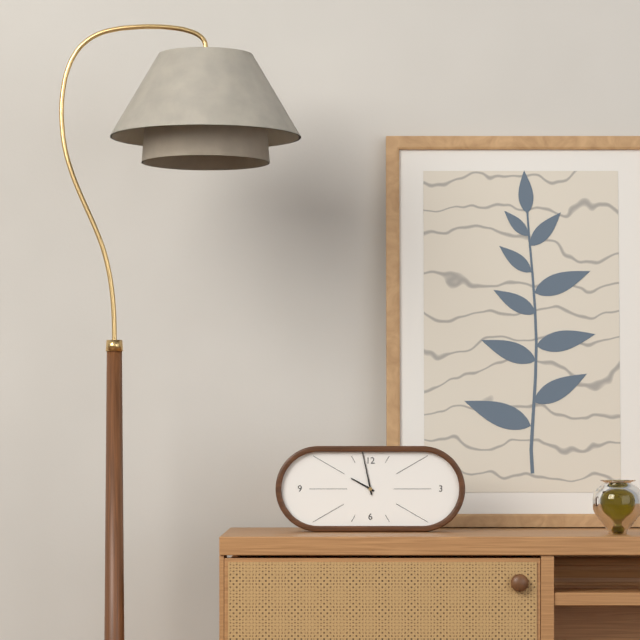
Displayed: 9 h 58 min
